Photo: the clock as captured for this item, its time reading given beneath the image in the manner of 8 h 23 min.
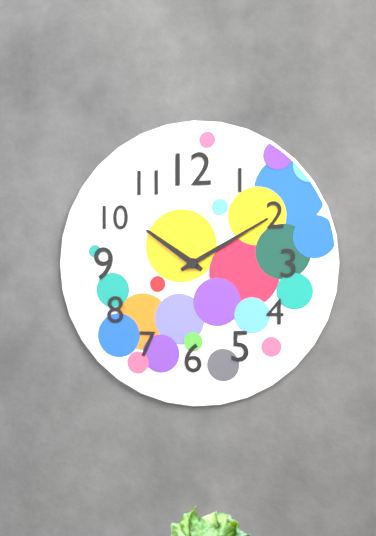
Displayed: 10 h 10 min
